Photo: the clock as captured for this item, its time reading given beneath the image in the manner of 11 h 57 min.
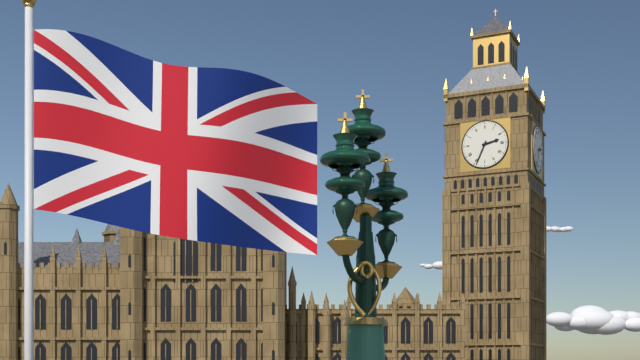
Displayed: 2 h 34 min
